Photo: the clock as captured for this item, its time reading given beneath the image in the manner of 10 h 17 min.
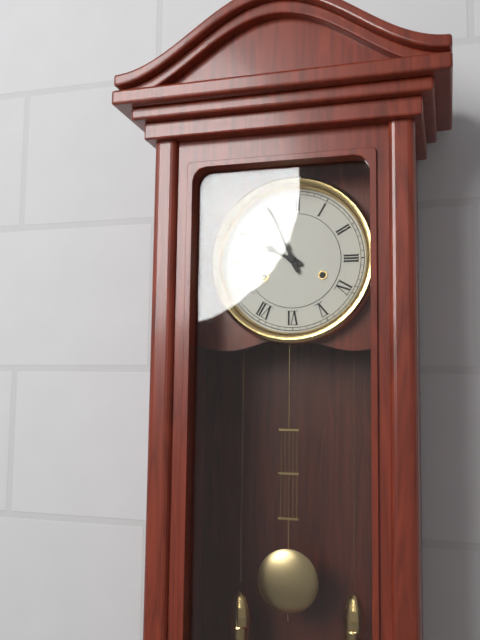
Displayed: 9 h 56 min
